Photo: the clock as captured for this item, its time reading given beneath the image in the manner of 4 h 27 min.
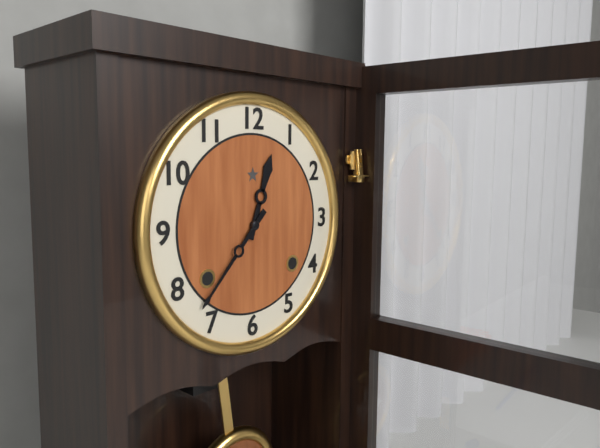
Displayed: 12 h 37 min
